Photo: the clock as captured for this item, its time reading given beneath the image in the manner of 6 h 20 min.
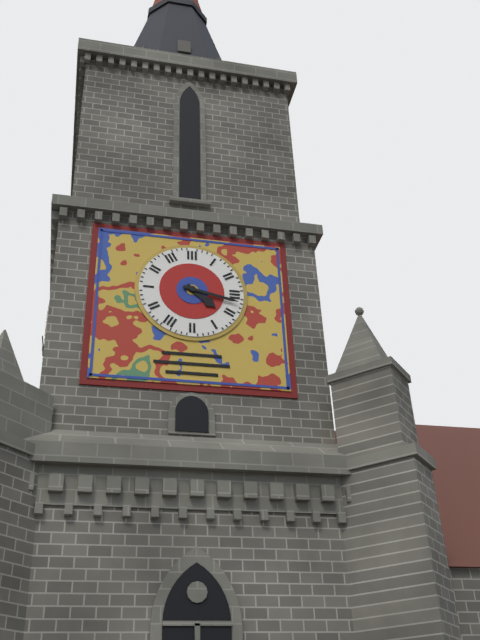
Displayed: 4 h 17 min
